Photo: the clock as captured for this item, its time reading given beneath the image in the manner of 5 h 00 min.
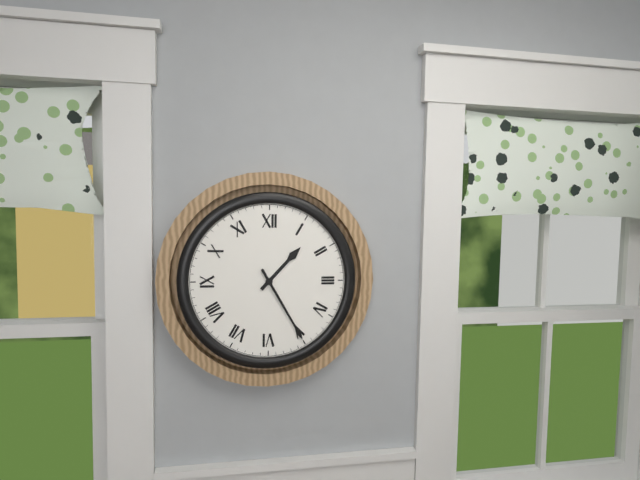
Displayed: 1 h 25 min
